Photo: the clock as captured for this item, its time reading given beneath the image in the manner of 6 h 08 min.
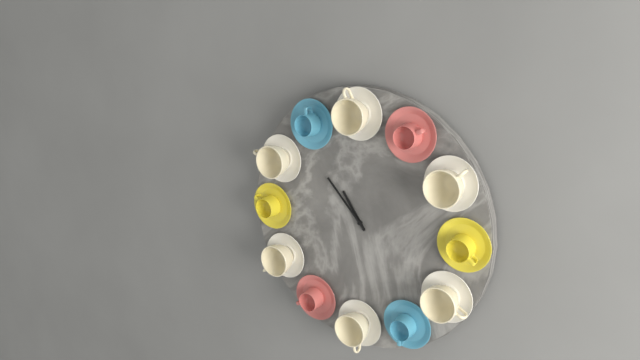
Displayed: 10 h 53 min
